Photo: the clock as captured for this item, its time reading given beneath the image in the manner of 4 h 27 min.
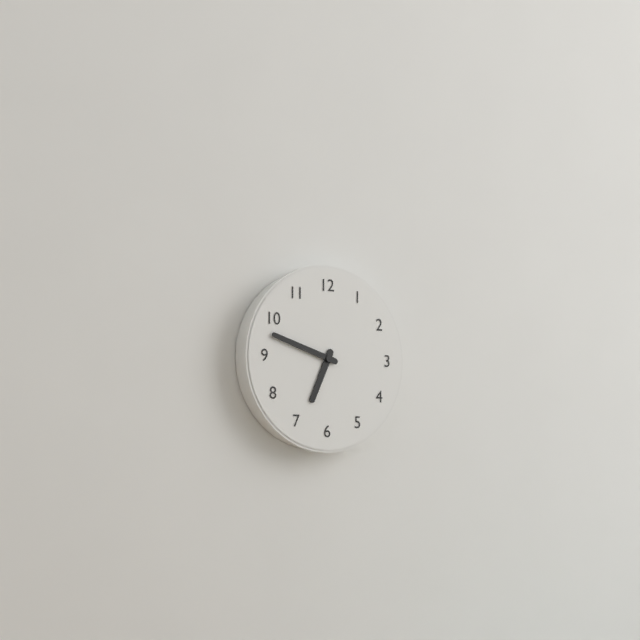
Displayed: 6 h 48 min
